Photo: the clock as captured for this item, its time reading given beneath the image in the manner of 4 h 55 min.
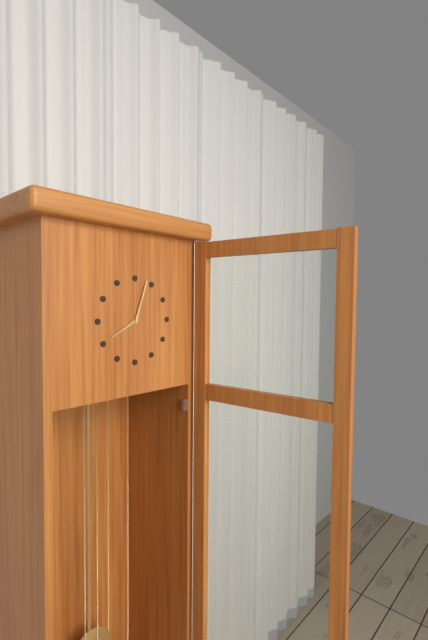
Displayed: 8 h 03 min
